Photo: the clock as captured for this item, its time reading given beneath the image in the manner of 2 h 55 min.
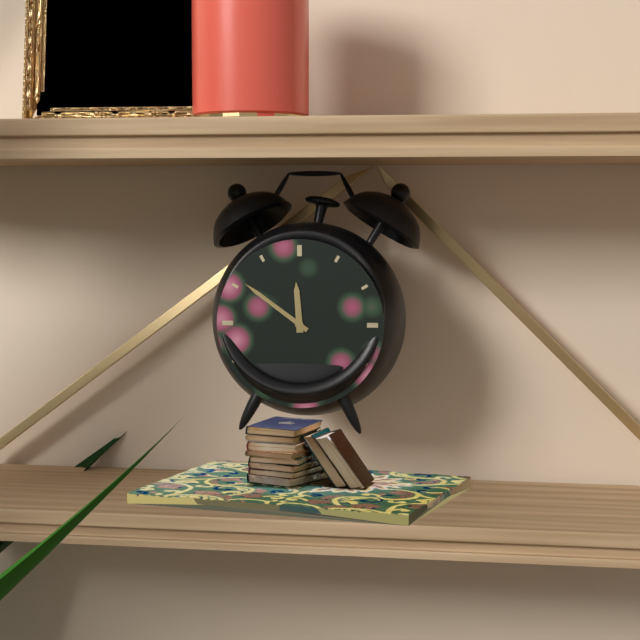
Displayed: 11 h 51 min
